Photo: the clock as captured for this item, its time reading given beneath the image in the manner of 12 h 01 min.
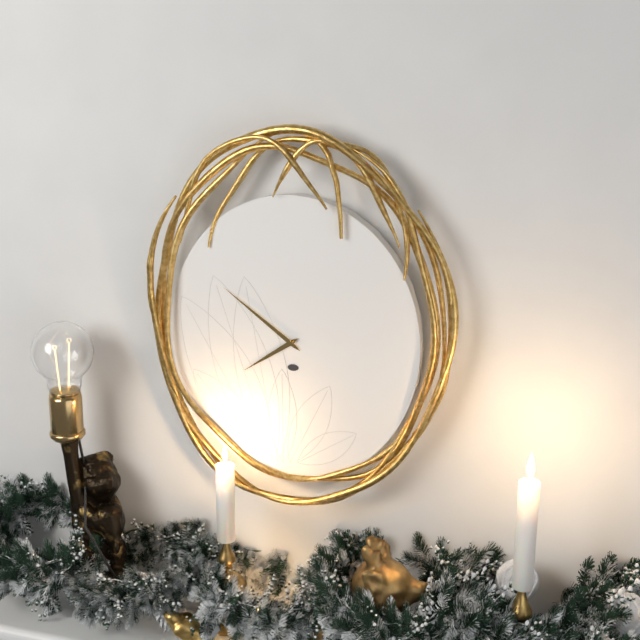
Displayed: 7 h 51 min
